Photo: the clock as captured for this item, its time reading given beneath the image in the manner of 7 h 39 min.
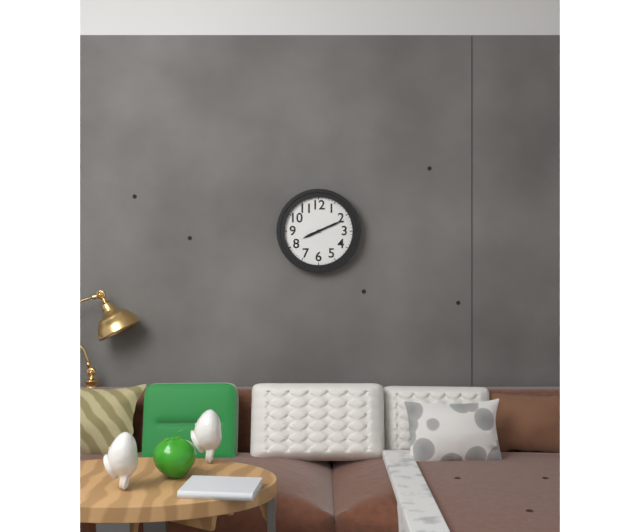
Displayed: 8 h 11 min
